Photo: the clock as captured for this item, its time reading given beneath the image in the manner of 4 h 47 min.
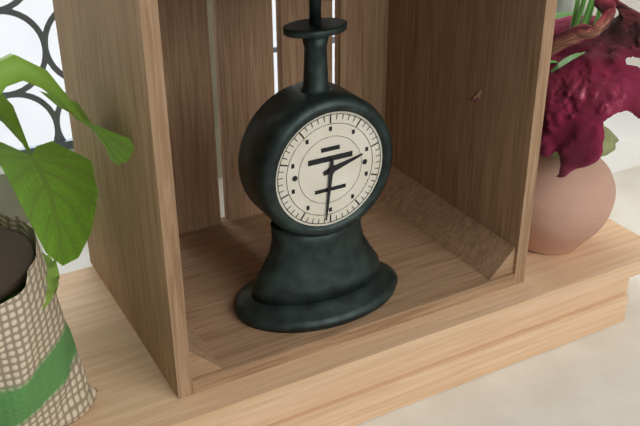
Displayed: 2 h 31 min
